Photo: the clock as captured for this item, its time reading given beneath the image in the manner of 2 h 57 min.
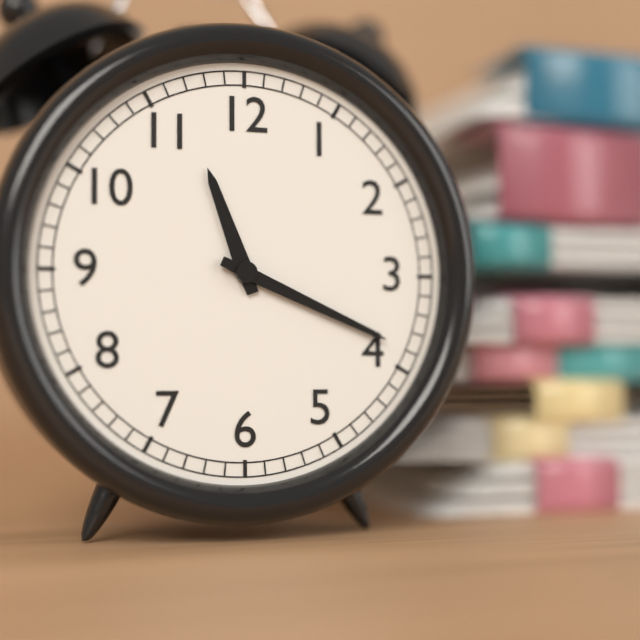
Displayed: 11 h 19 min
